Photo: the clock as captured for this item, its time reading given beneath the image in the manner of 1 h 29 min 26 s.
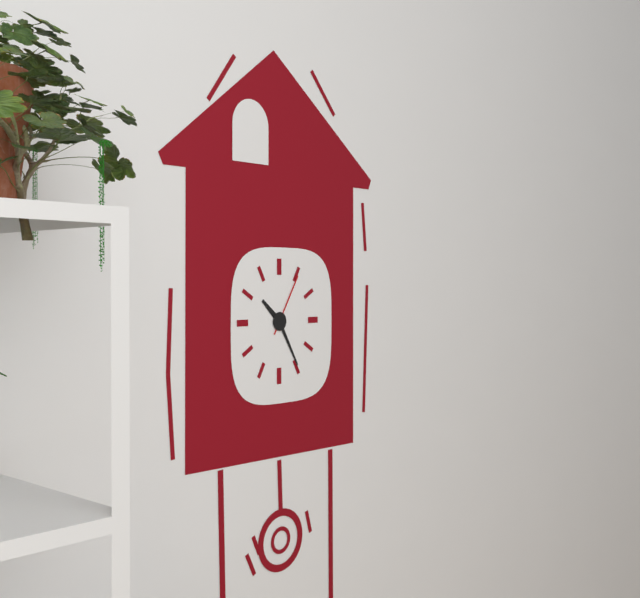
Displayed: 10 h 25 min 05 s
